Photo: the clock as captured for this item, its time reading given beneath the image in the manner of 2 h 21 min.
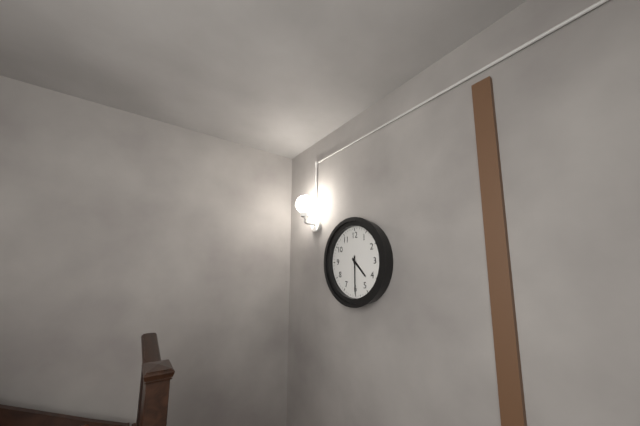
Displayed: 4 h 30 min
